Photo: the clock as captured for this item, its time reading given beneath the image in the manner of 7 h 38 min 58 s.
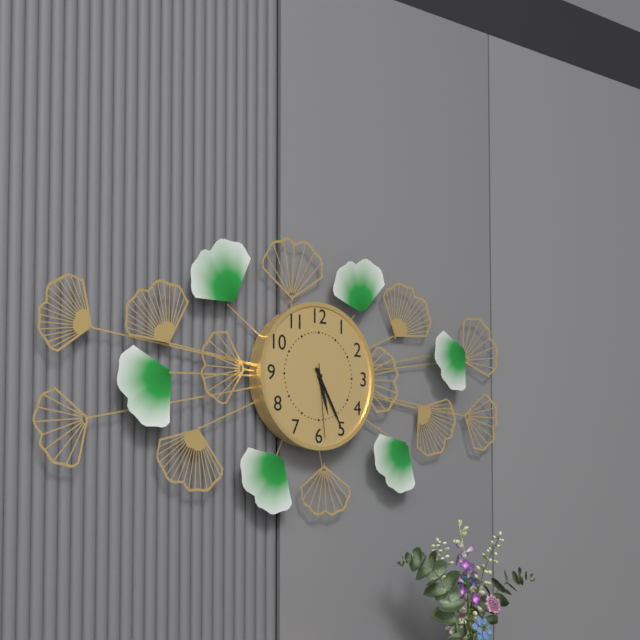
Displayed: 5 h 25 min 29 s
